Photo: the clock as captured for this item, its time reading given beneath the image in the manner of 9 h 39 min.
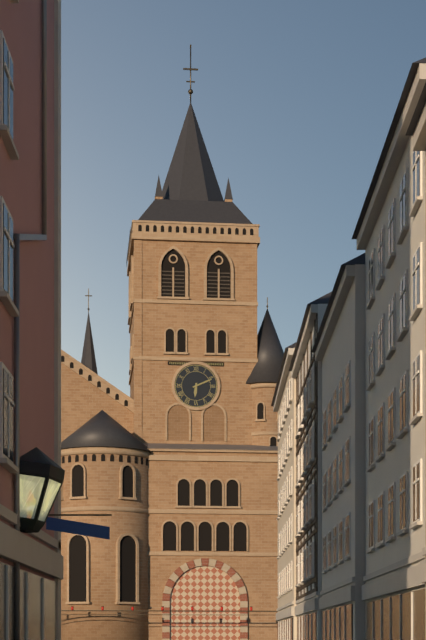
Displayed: 6 h 11 min
